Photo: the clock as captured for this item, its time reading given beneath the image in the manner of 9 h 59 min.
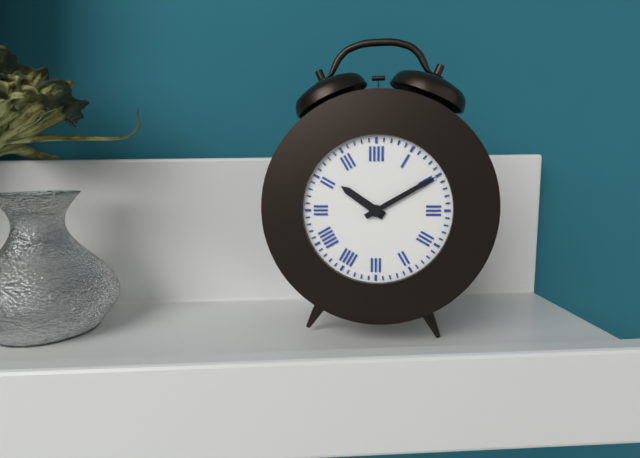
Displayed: 10 h 10 min
